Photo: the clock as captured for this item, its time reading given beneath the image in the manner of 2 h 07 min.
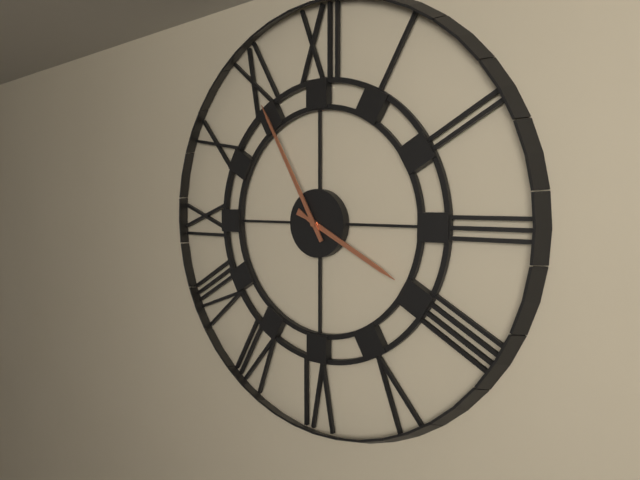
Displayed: 3 h 55 min
